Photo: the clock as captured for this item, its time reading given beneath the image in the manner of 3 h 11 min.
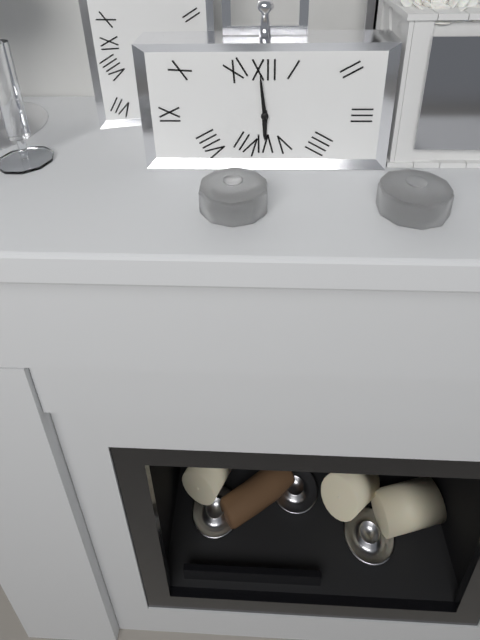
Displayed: 5 h 59 min
